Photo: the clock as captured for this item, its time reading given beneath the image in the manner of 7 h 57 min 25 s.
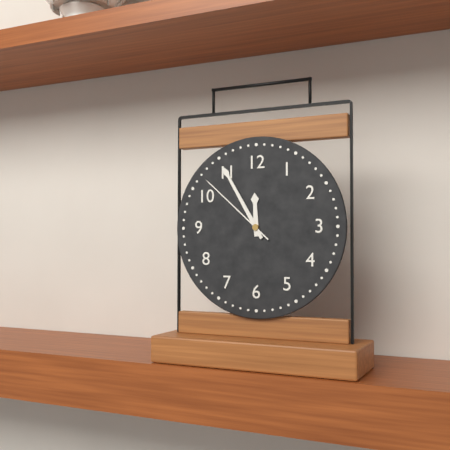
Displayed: 11 h 55 min 52 s
